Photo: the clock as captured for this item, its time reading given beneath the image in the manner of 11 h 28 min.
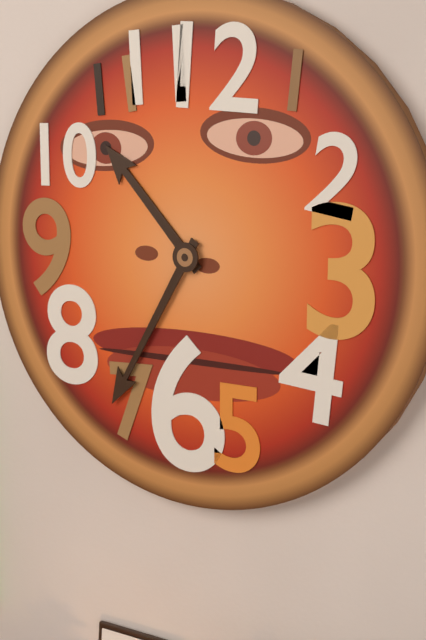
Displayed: 10 h 35 min
